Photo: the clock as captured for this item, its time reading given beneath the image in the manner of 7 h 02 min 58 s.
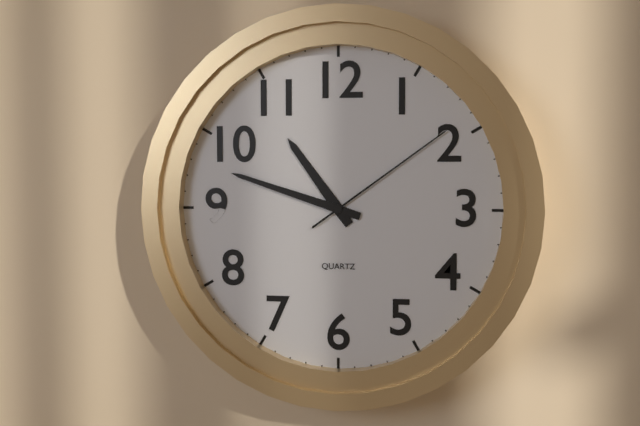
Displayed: 10 h 48 min 09 s
